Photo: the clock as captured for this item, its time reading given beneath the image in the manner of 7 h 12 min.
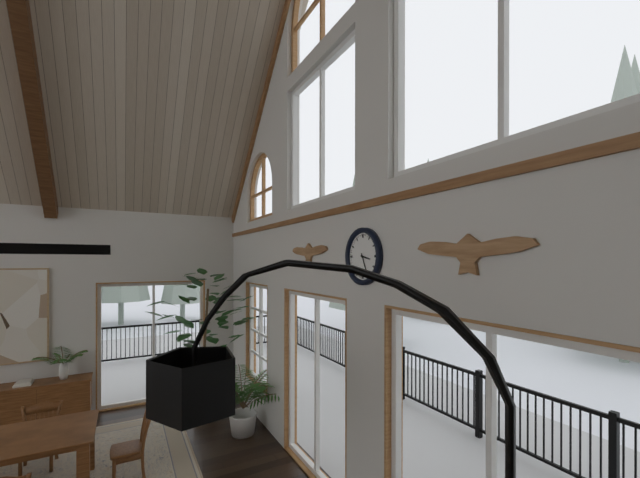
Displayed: 3 h 26 min
